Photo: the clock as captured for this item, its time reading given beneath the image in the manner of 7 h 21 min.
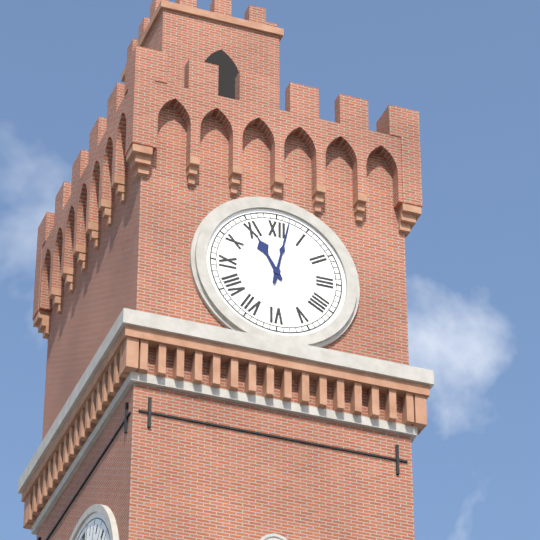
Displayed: 11 h 02 min
